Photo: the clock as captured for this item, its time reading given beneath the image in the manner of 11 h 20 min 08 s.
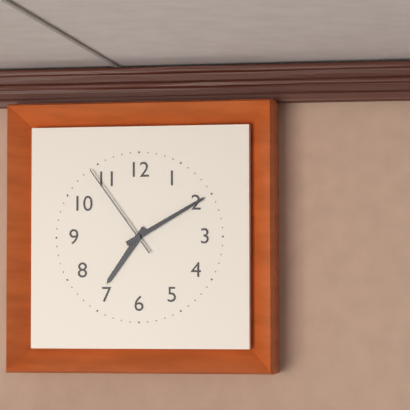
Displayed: 7 h 10 min 54 s
